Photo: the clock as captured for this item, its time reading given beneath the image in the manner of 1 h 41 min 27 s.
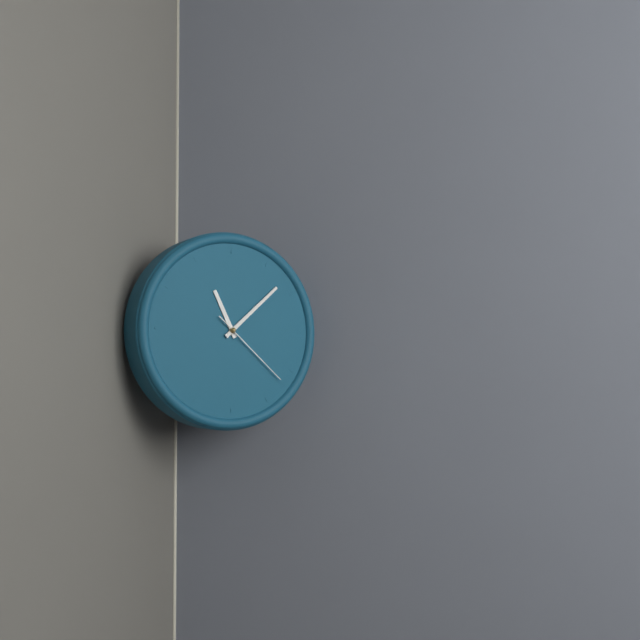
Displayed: 11 h 08 min 22 s
